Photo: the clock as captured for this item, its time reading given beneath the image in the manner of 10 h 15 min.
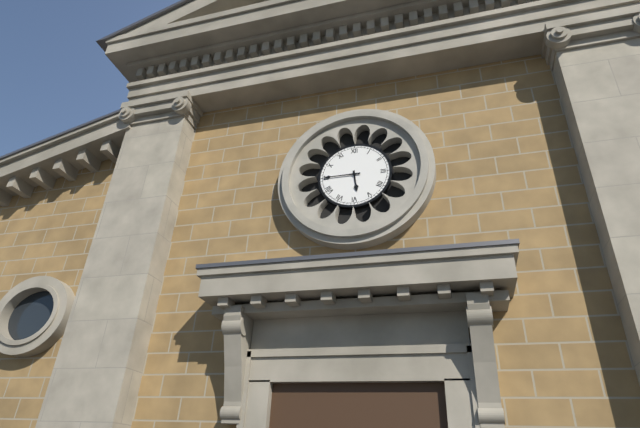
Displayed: 5 h 45 min
